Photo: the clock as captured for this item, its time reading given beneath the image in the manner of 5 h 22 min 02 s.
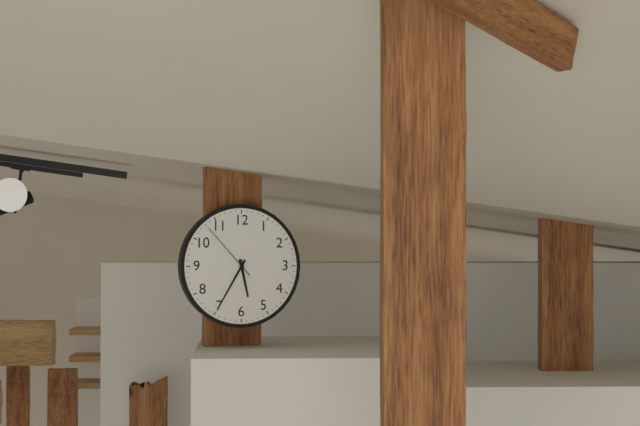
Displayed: 5 h 35 min 53 s
